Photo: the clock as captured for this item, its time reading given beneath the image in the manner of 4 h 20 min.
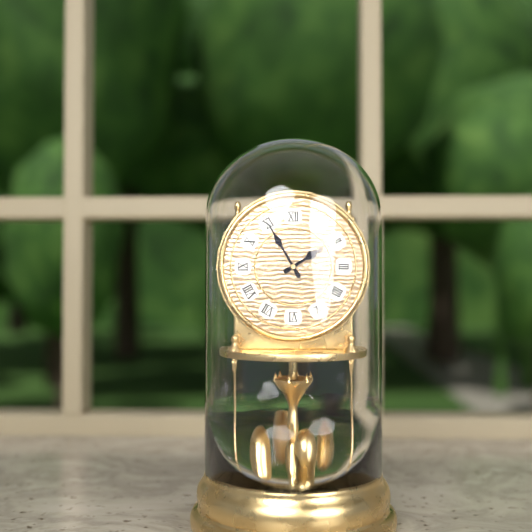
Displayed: 1 h 55 min
